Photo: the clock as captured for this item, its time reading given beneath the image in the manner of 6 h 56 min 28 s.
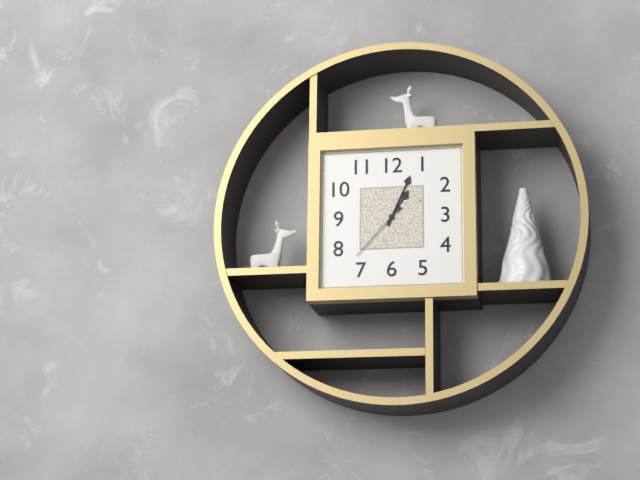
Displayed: 1 h 04 min 37 s
